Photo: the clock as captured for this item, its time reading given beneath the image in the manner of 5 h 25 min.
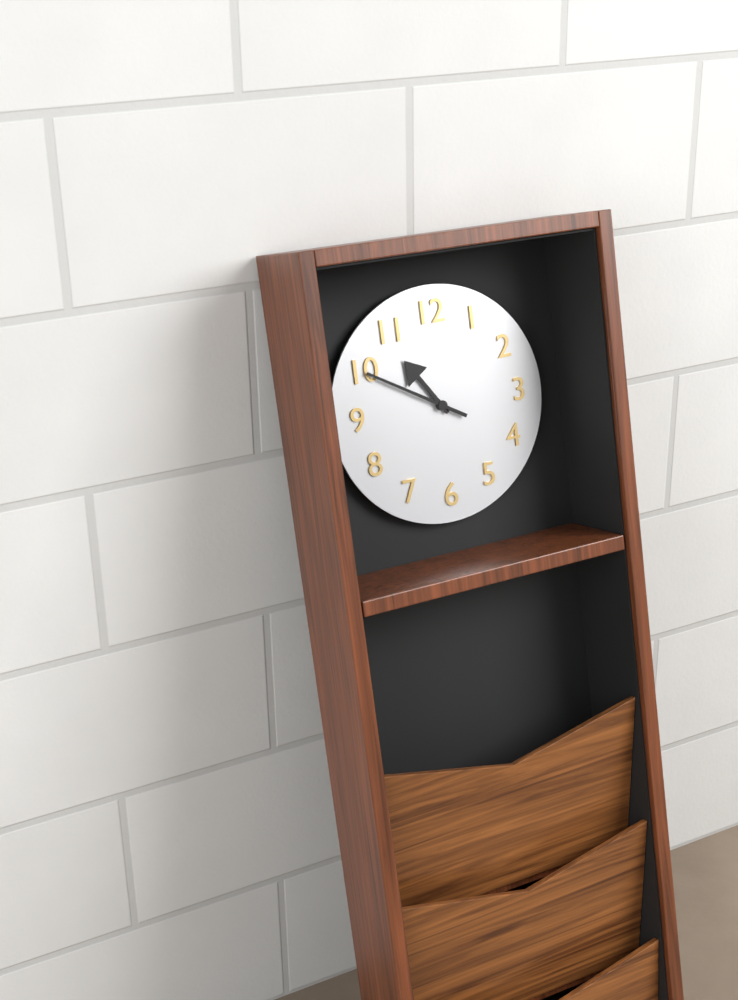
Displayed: 10 h 50 min
